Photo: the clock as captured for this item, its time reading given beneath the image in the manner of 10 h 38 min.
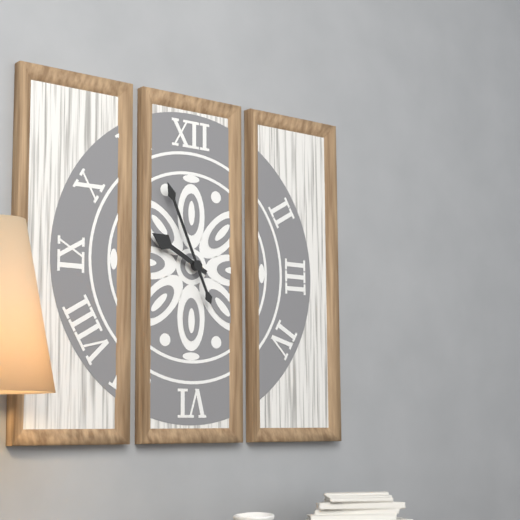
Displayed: 9 h 56 min
